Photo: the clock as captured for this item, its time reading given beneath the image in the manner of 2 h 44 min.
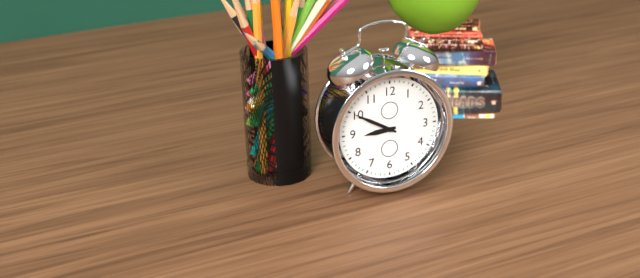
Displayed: 8 h 50 min
